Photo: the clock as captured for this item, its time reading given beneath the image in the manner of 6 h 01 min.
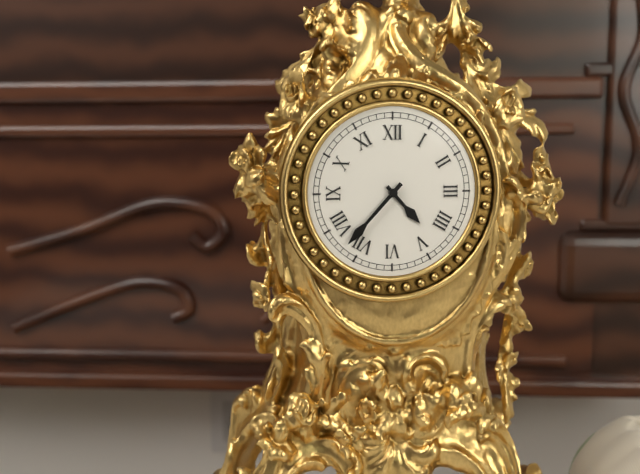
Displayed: 4 h 37 min
